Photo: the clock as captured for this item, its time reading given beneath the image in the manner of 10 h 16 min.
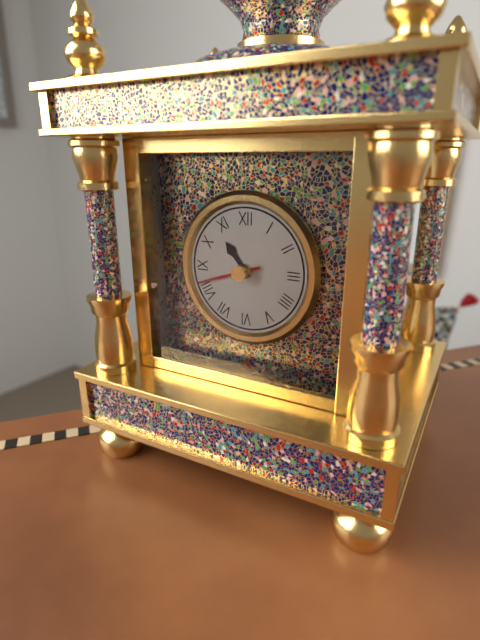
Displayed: 10 h 42 min
